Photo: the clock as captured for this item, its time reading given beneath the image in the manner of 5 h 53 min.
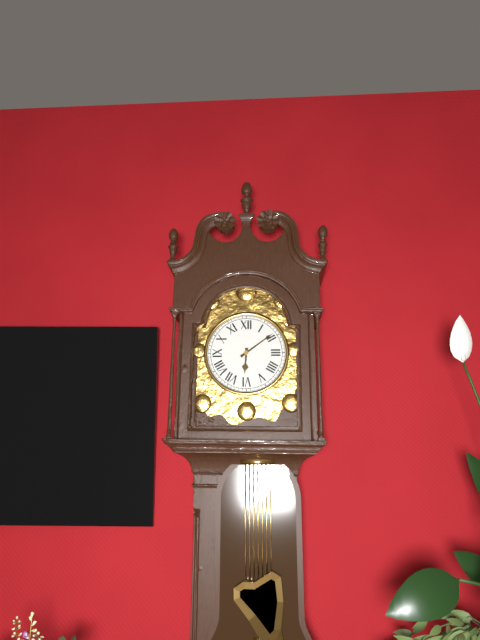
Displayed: 6 h 09 min
